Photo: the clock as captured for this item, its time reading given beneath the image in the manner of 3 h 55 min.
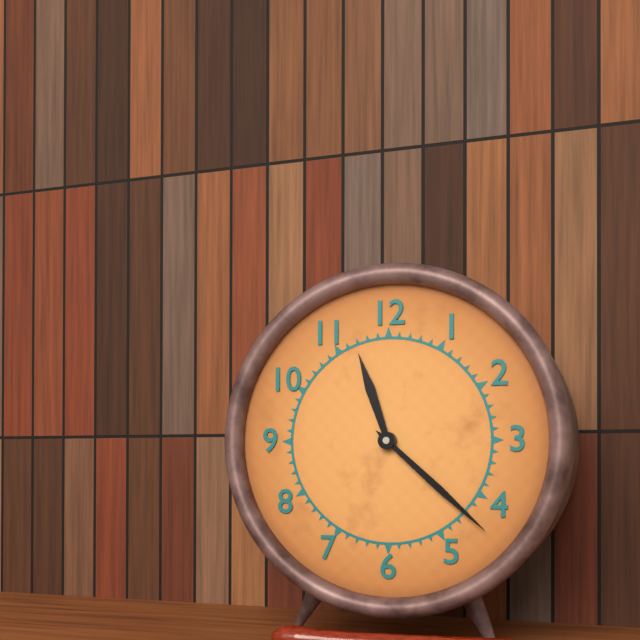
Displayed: 11 h 22 min
